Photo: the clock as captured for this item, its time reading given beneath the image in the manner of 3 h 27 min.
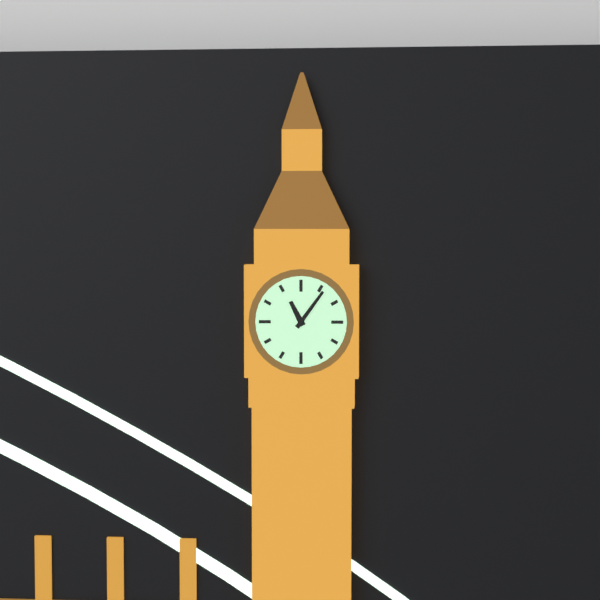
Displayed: 11 h 06 min
